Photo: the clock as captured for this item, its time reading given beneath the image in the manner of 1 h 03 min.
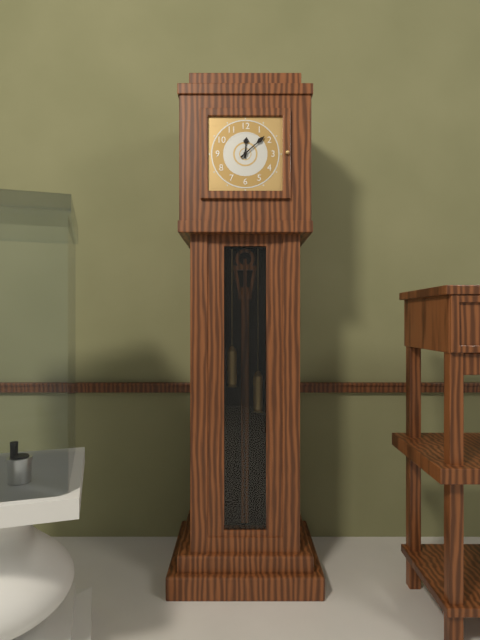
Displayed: 12 h 08 min
